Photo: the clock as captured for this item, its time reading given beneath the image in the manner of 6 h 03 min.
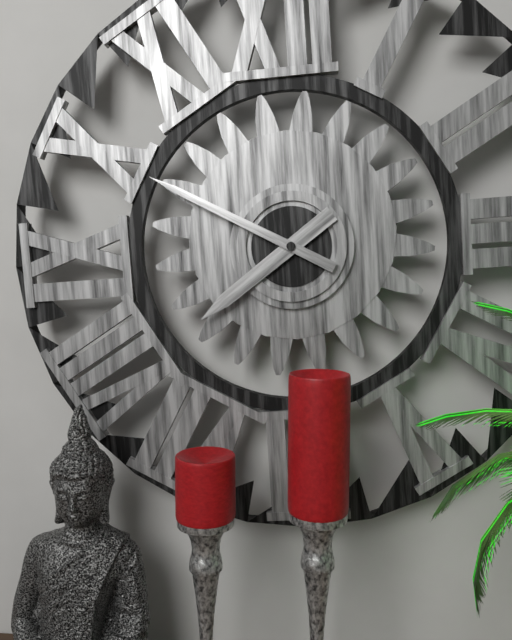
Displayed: 7 h 50 min
